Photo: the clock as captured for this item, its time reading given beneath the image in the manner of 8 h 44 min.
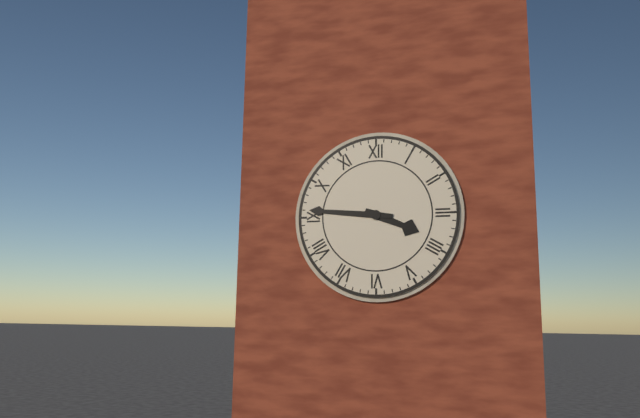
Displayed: 3 h 46 min
